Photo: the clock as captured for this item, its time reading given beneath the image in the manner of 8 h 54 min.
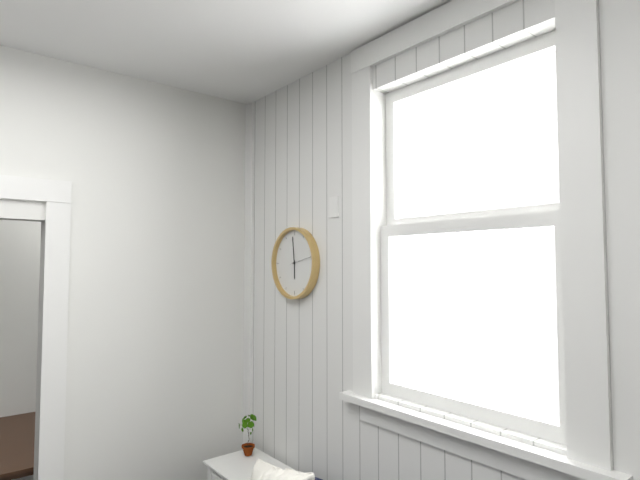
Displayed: 5 h 59 min
